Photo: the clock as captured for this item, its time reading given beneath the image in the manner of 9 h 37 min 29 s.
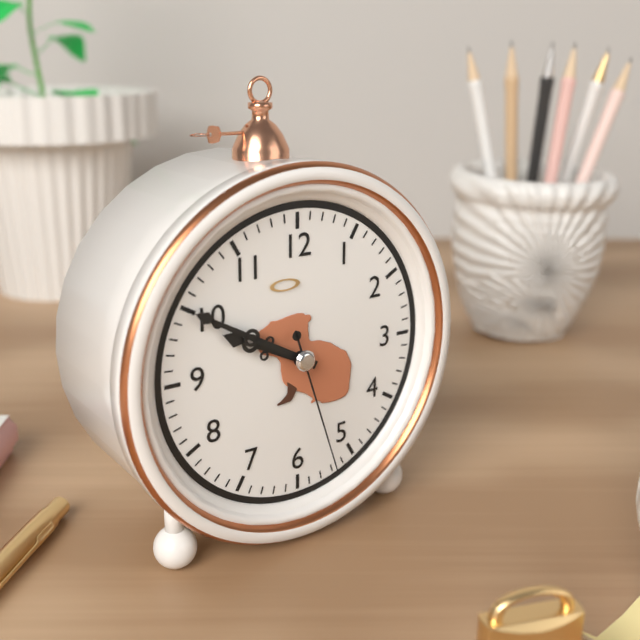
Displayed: 9 h 50 min 27 s
